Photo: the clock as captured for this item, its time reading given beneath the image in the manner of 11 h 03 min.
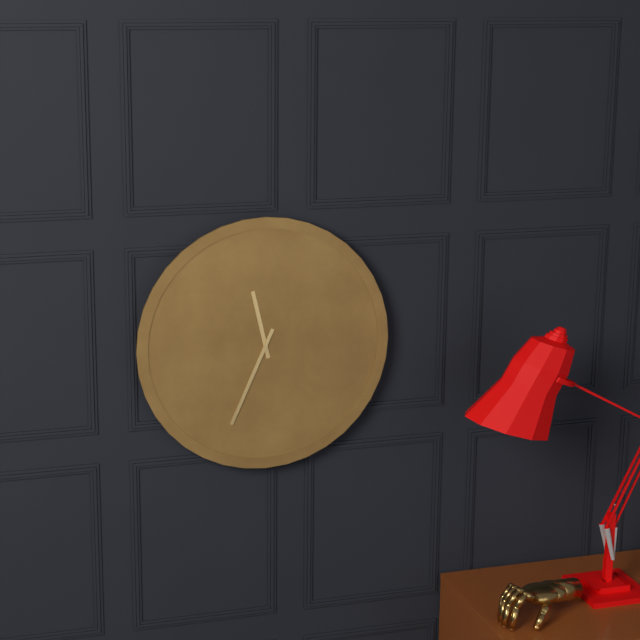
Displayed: 11 h 34 min
